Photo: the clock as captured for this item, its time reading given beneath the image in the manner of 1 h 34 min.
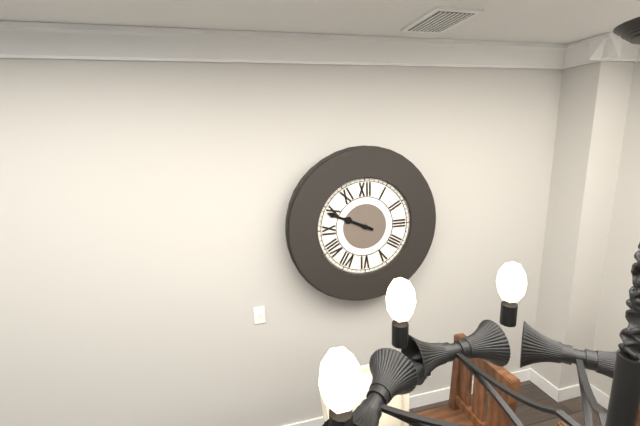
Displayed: 9 h 49 min
